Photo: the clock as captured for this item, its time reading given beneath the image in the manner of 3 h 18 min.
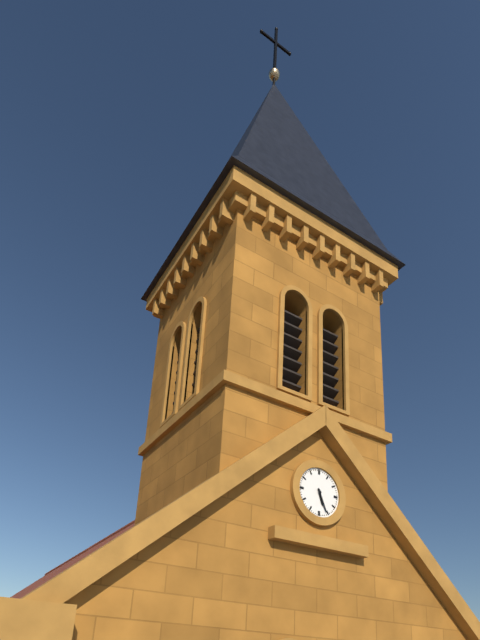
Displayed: 5 h 26 min
